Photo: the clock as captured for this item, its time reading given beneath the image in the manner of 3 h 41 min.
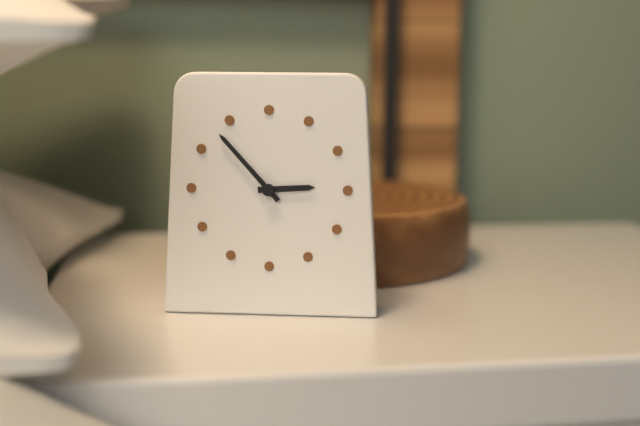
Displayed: 2 h 53 min
